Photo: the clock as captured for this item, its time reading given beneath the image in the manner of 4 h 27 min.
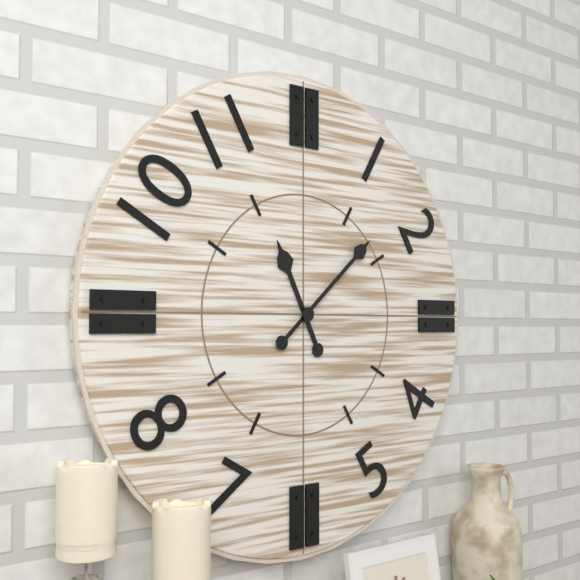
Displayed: 11 h 08 min
